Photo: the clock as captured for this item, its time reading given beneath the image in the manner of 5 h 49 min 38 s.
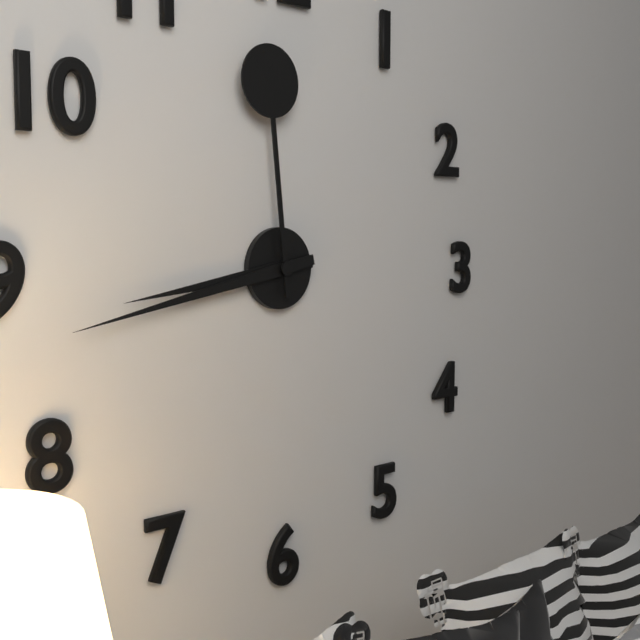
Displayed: 8 h 43 min 59 s
